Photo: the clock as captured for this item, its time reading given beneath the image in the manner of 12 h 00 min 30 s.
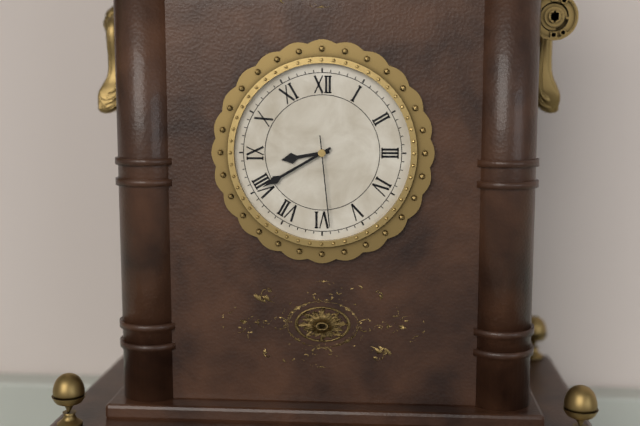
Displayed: 8 h 40 min 29 s
